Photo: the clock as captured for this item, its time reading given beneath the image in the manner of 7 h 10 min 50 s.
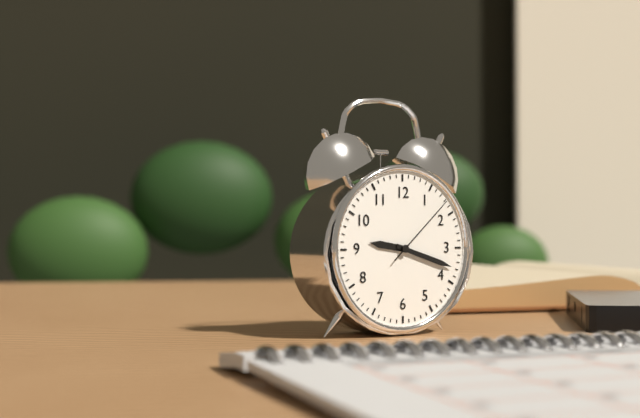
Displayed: 9 h 18 min 08 s
